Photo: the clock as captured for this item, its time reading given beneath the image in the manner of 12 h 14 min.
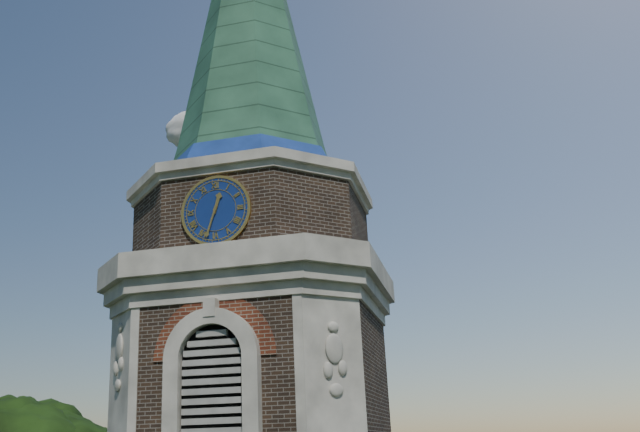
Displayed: 12 h 33 min
